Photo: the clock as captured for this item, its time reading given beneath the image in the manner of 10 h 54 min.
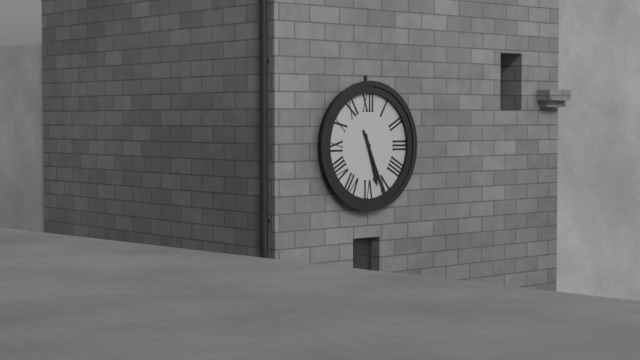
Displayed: 5 h 26 min
